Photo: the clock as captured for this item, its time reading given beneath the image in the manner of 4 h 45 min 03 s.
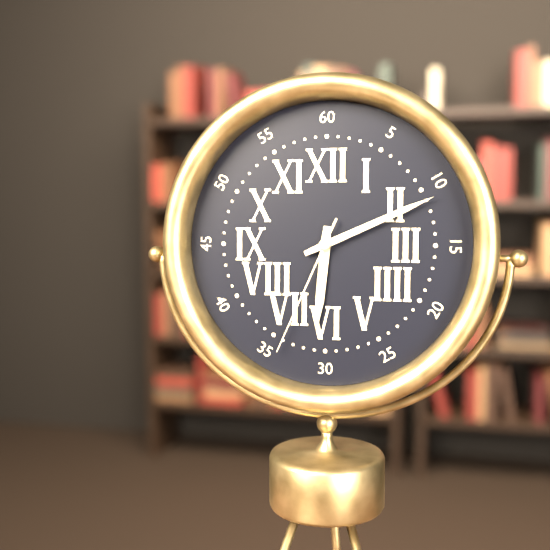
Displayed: 6 h 11 min 34 s
